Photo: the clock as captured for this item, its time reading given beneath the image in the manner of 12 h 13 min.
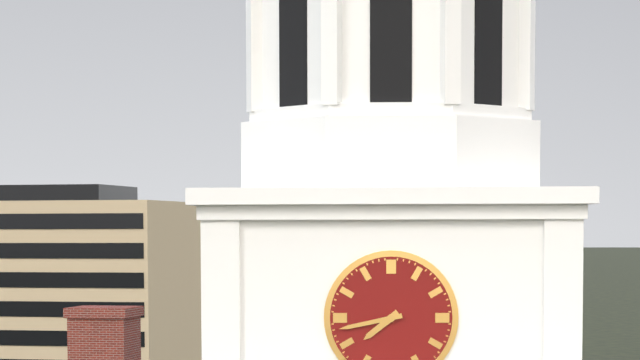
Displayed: 7 h 43 min
